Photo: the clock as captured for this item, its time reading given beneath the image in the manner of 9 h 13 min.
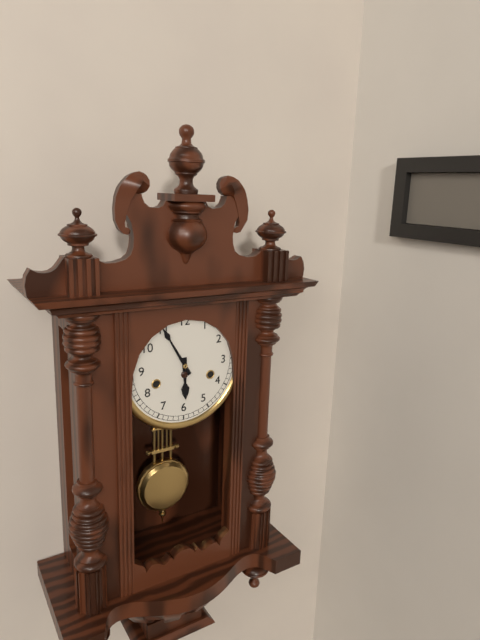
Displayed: 5 h 55 min
